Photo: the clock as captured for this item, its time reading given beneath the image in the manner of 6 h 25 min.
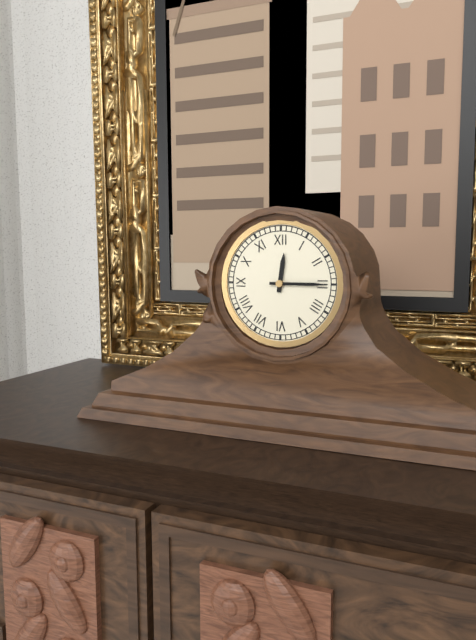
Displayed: 12 h 15 min
